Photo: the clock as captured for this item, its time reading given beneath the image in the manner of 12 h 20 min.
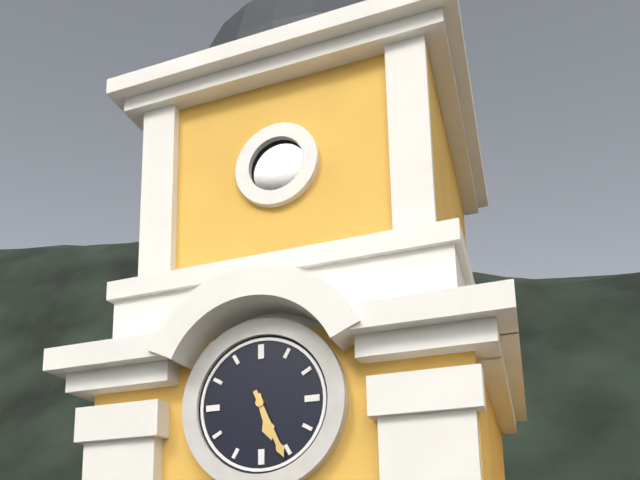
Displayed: 5 h 26 min
